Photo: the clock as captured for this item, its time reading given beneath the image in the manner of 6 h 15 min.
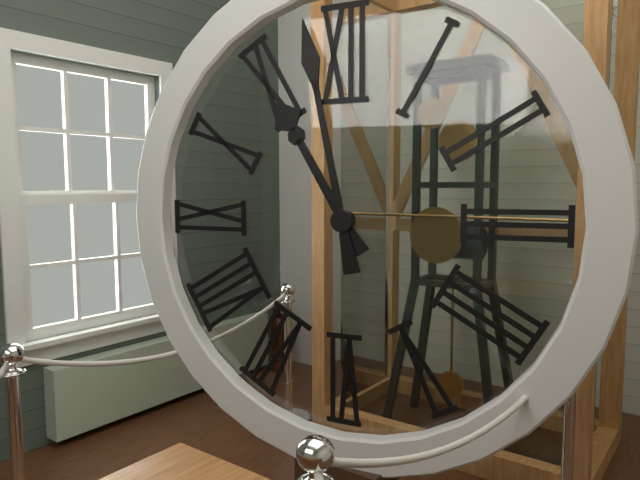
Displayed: 10 h 58 min
